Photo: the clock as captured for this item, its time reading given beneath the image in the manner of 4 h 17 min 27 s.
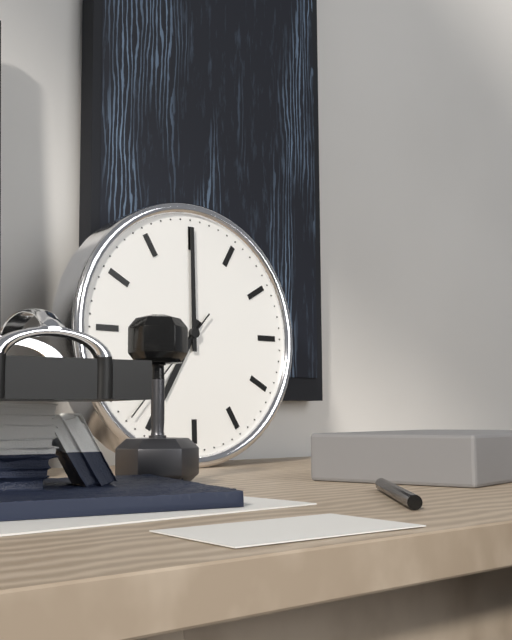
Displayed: 7 h 00 min 37 s
